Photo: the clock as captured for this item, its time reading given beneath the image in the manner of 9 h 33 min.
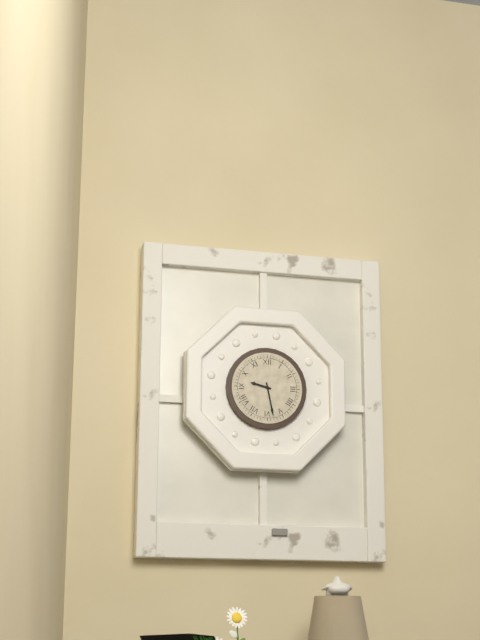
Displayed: 9 h 28 min
